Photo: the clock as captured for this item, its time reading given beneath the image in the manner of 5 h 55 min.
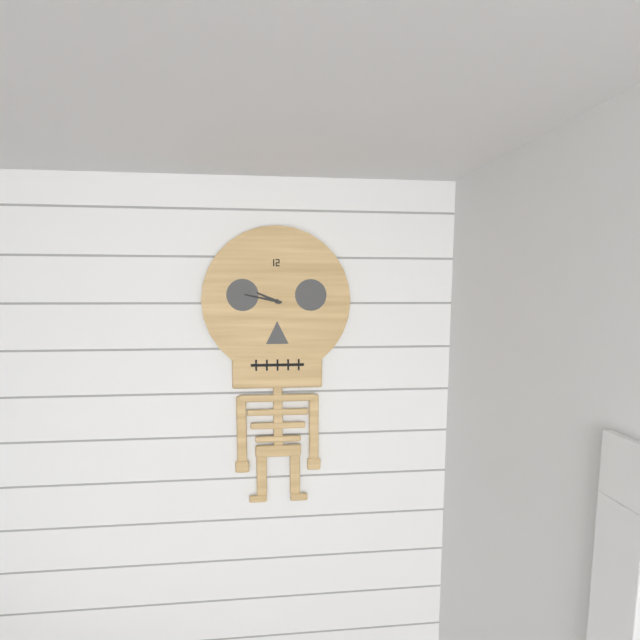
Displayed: 9 h 47 min
